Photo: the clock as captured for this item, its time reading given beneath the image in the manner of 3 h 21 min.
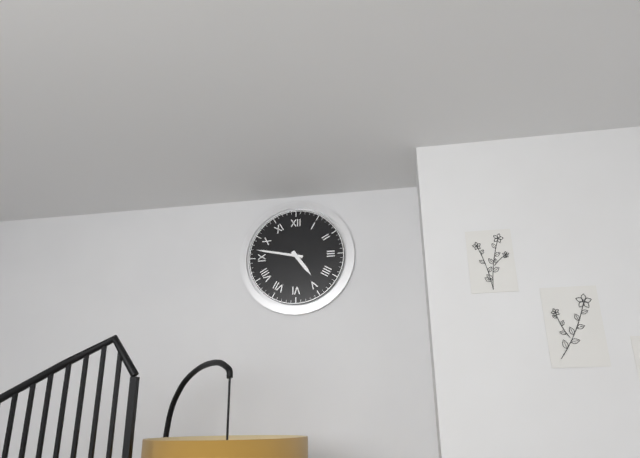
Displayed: 4 h 47 min
